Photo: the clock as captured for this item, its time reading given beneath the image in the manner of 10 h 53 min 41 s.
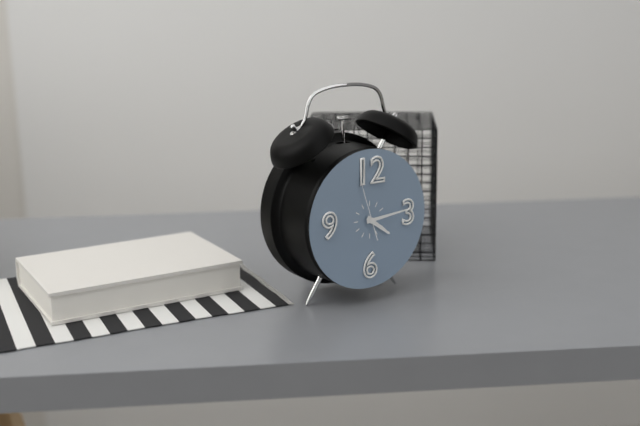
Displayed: 4 h 14 min 57 s
